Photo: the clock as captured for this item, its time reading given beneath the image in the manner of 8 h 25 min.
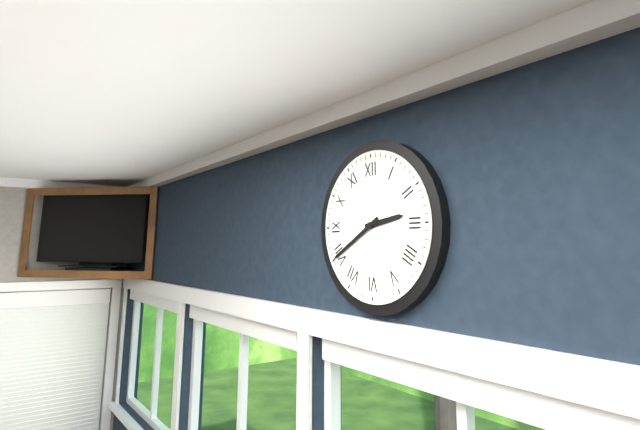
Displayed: 2 h 40 min
